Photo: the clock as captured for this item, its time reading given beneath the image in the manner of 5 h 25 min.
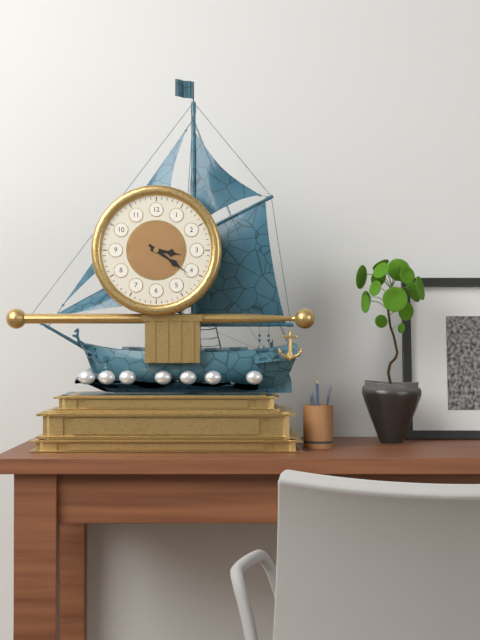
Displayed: 3 h 21 min
